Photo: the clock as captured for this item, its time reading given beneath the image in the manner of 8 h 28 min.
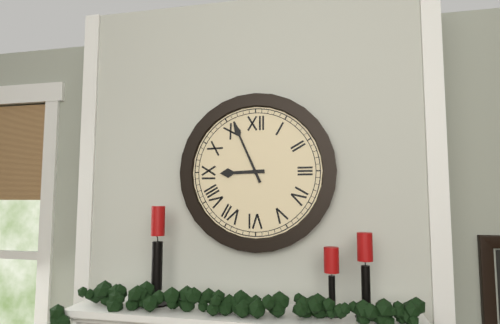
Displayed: 8 h 56 min
